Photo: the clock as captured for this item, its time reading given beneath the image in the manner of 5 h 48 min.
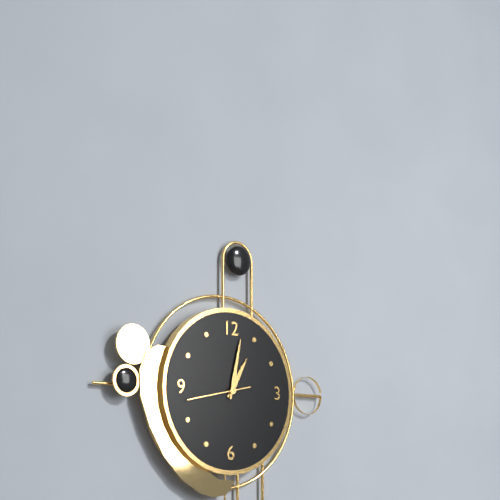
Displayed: 1 h 02 min
